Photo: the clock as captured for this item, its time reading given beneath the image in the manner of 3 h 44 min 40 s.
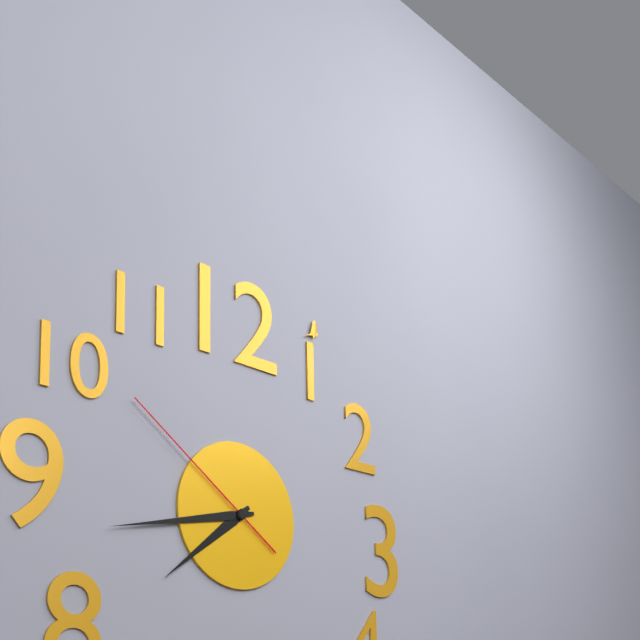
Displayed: 7 h 43 min 51 s
